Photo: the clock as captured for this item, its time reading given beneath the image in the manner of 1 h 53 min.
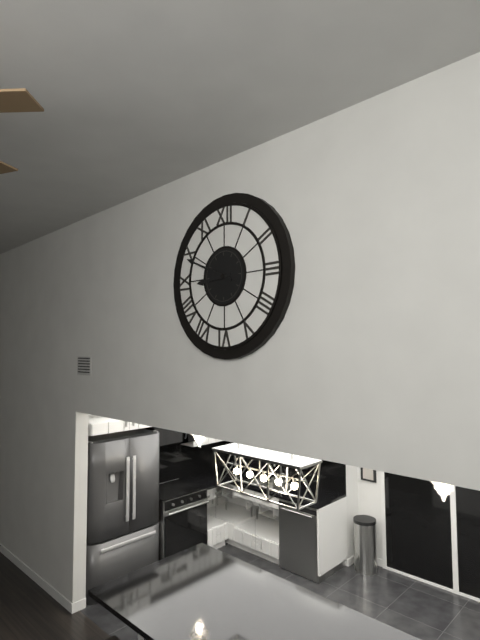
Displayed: 8 h 49 min
